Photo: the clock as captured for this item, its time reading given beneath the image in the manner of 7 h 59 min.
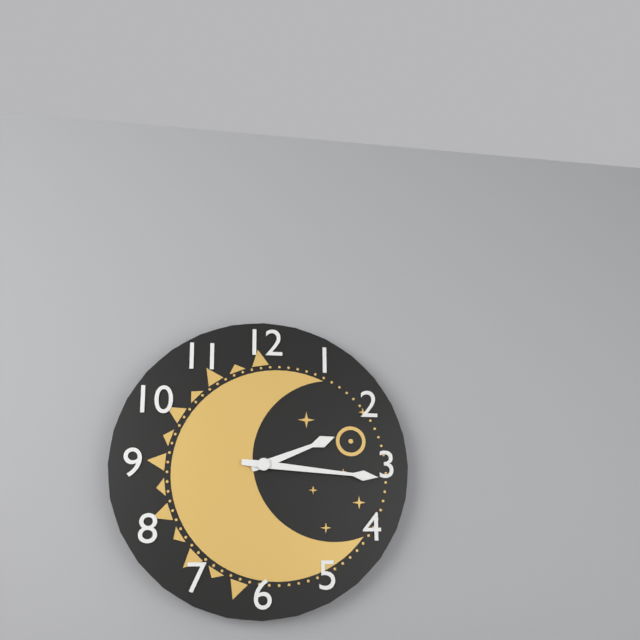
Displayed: 2 h 16 min
